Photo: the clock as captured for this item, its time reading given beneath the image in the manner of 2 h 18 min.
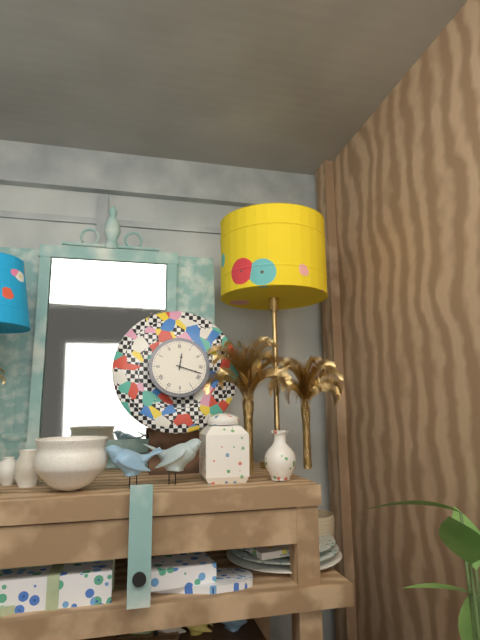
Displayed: 12 h 18 min
